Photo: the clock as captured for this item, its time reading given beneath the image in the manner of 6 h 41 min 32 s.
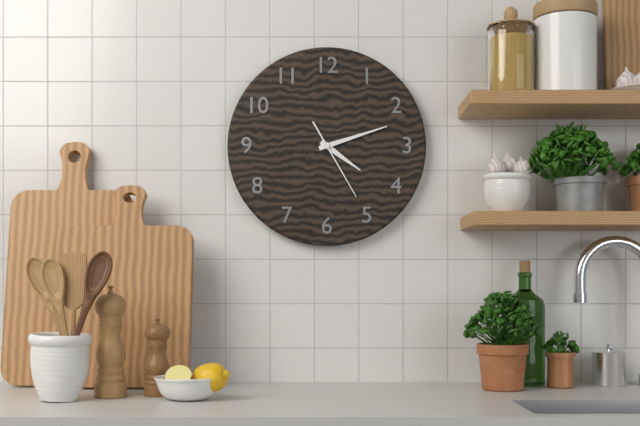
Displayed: 4 h 12 min 25 s
